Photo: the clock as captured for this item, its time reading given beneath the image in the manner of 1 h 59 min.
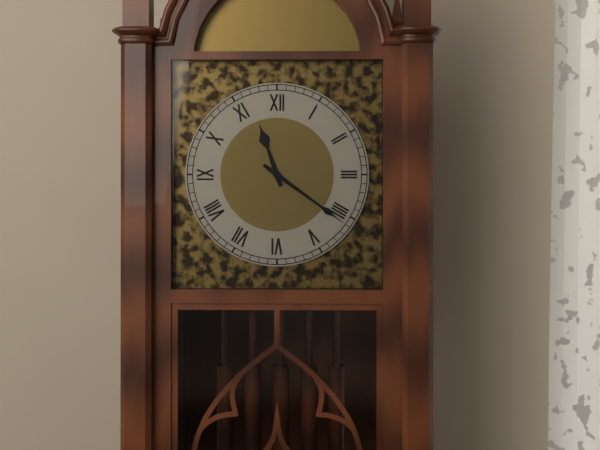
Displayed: 11 h 21 min
